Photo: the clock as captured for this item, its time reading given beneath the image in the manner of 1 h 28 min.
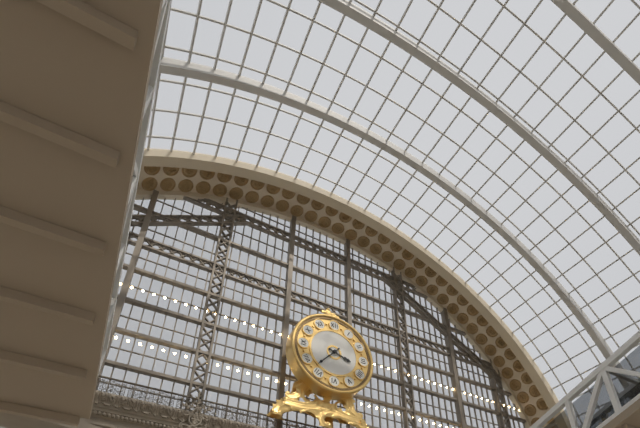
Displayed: 3 h 37 min
